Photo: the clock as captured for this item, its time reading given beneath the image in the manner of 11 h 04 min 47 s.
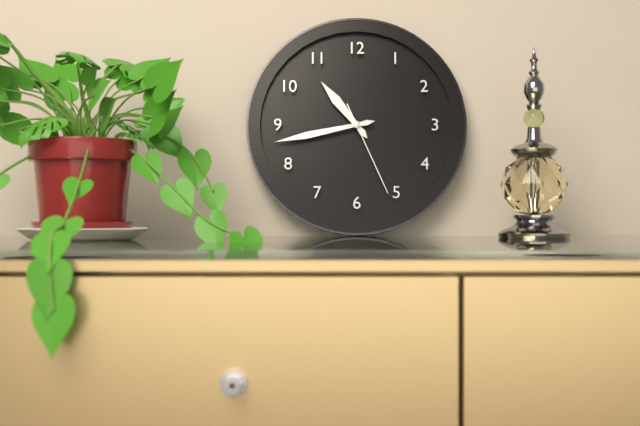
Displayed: 10 h 43 min 26 s
